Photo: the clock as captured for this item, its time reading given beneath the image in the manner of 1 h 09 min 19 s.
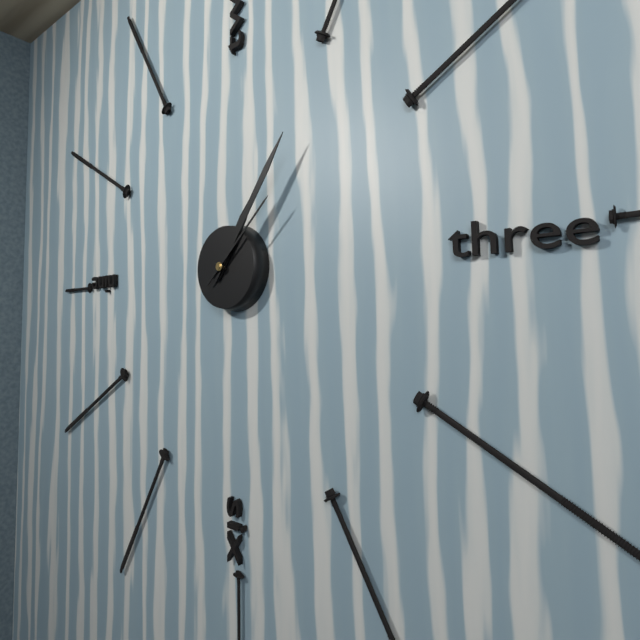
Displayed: 1 h 06 min 08 s
